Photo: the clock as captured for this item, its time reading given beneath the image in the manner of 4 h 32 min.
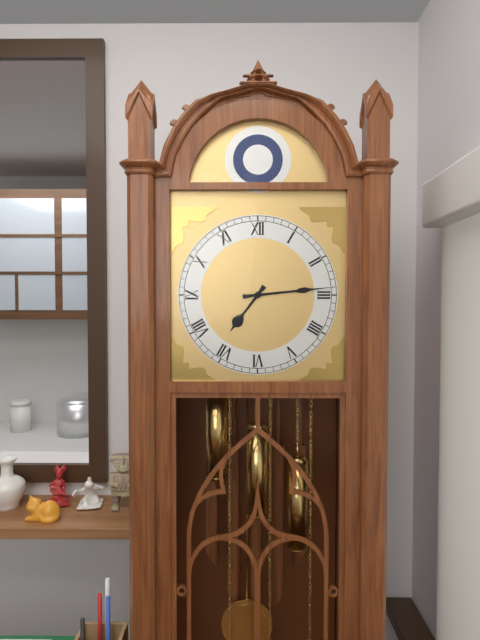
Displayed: 7 h 14 min
